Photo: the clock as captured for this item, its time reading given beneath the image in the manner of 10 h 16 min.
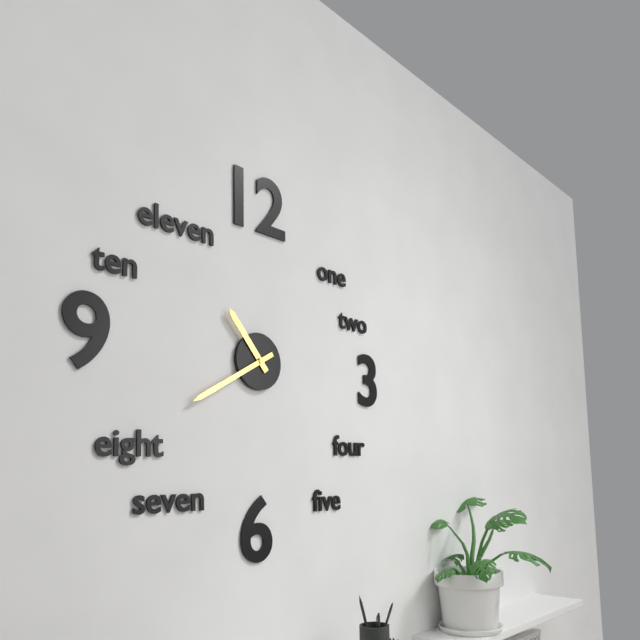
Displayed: 10 h 40 min
